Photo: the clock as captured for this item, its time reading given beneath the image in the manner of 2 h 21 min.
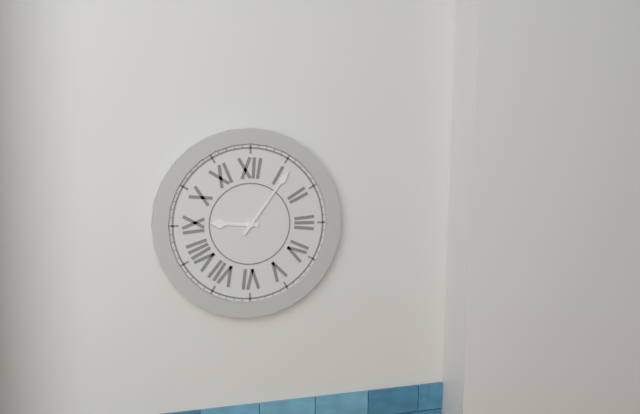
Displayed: 9 h 06 min
